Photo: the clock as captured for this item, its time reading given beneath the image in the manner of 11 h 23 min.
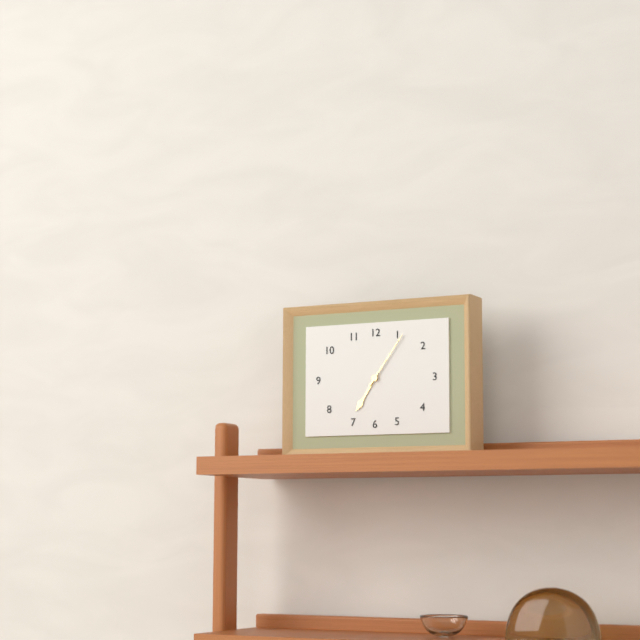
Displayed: 7 h 06 min
